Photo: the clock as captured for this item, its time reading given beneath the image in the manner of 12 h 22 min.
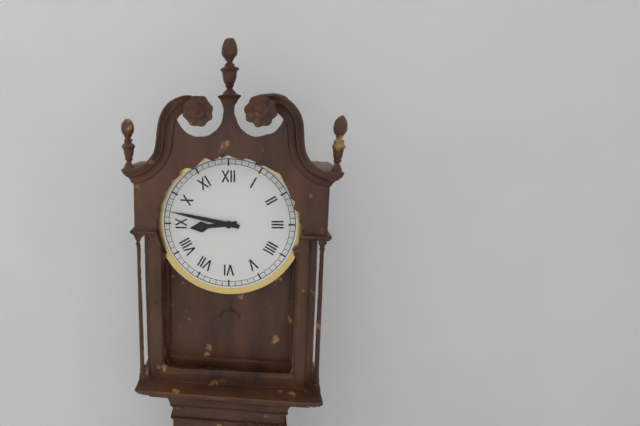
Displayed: 8 h 47 min
